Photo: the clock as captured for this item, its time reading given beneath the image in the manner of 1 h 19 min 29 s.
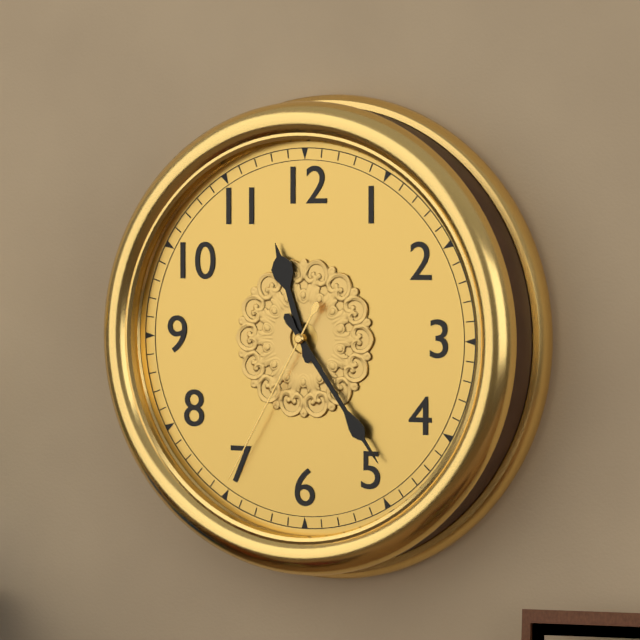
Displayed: 11 h 24 min 35 s
